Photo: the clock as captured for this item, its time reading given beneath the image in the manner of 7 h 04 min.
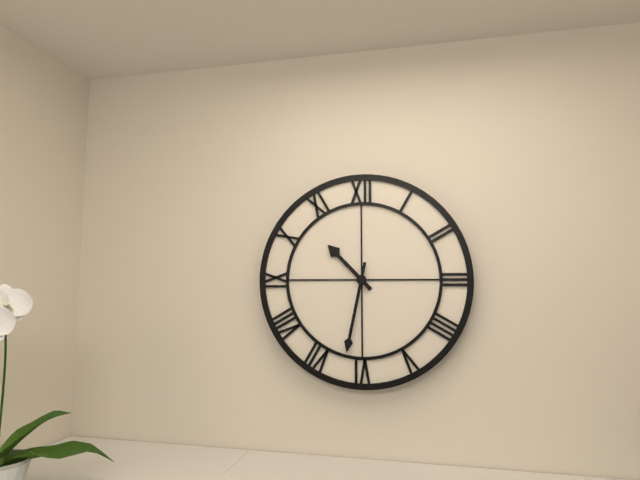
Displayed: 10 h 32 min
